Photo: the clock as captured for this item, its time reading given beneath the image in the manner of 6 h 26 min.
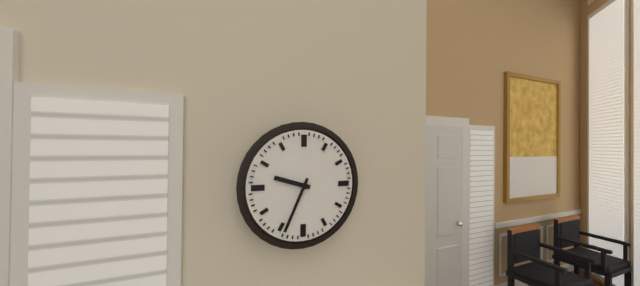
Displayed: 9 h 34 min
